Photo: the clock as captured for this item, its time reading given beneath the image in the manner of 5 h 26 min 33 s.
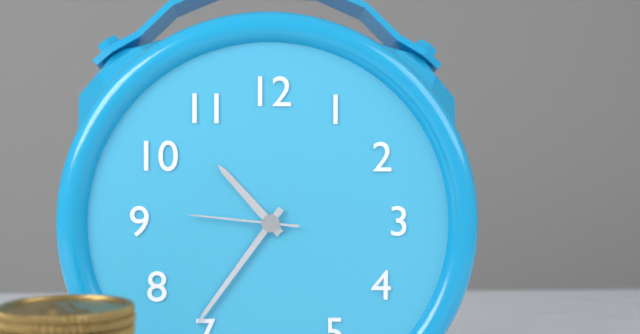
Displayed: 10 h 36 min 46 s
